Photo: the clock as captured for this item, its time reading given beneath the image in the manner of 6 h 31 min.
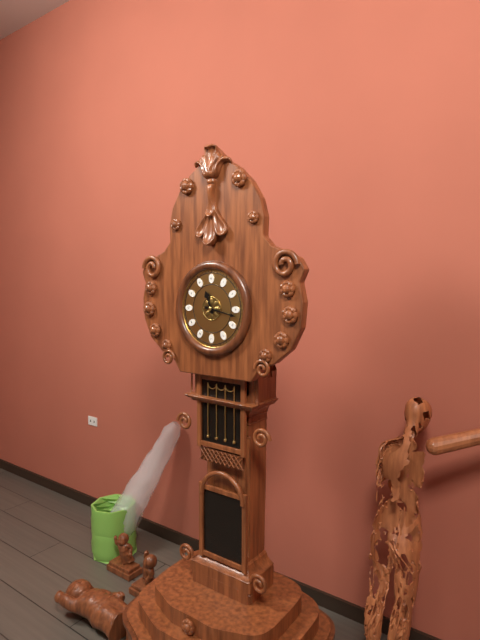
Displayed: 11 h 17 min
